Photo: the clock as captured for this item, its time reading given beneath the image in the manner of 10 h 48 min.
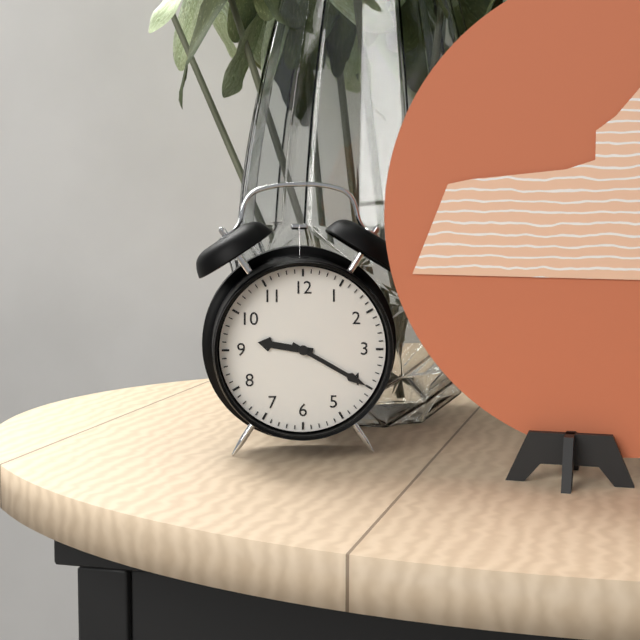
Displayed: 9 h 20 min
